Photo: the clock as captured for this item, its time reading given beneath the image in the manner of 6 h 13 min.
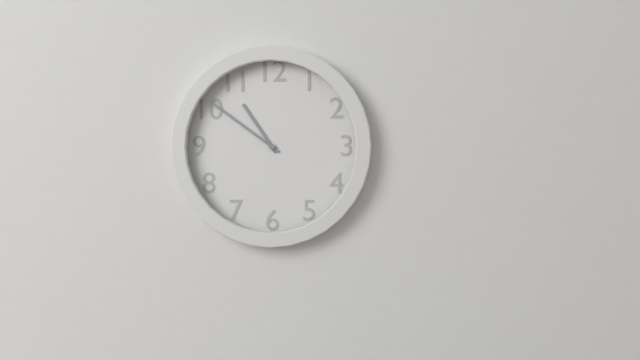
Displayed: 10 h 51 min
